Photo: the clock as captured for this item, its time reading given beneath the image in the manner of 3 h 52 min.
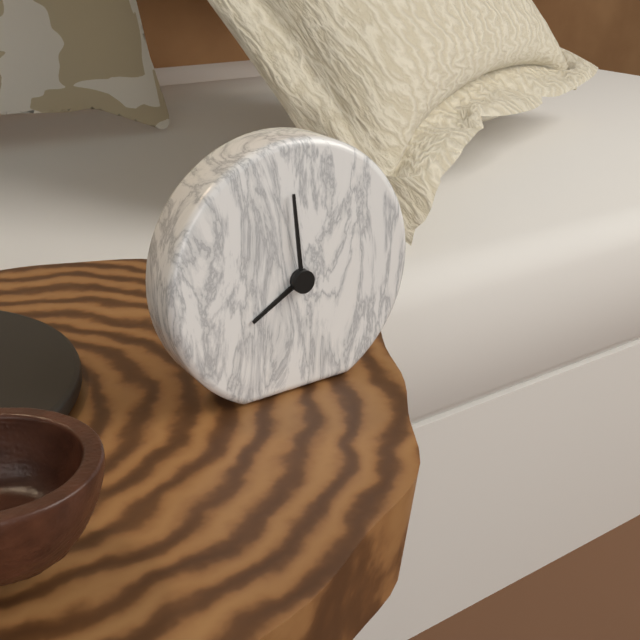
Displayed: 7 h 59 min
